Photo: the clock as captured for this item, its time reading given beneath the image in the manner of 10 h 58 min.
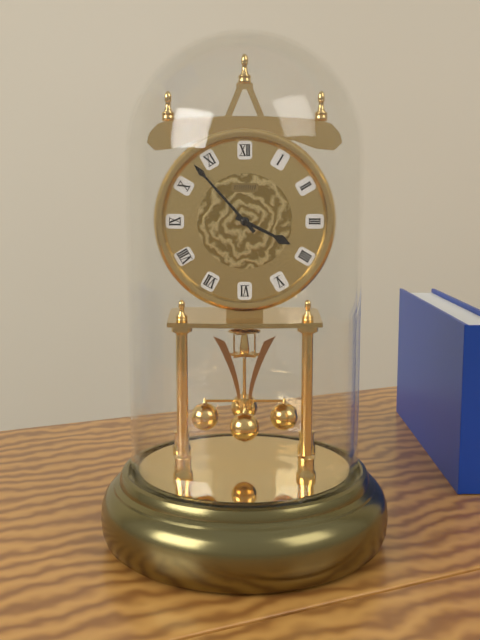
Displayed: 3 h 53 min
